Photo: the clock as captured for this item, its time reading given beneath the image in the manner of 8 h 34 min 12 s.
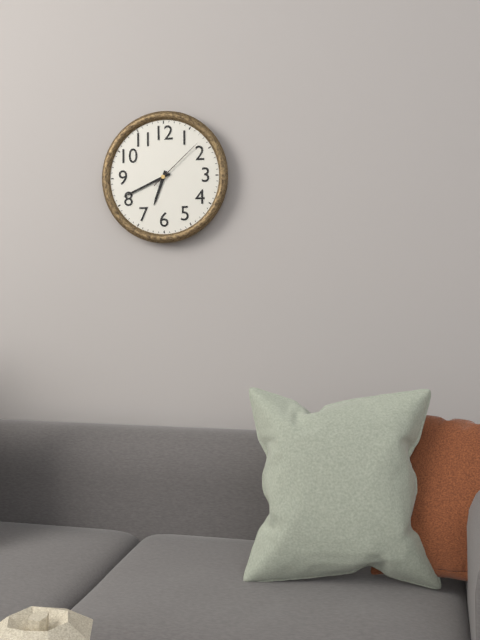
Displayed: 6 h 41 min 08 s
